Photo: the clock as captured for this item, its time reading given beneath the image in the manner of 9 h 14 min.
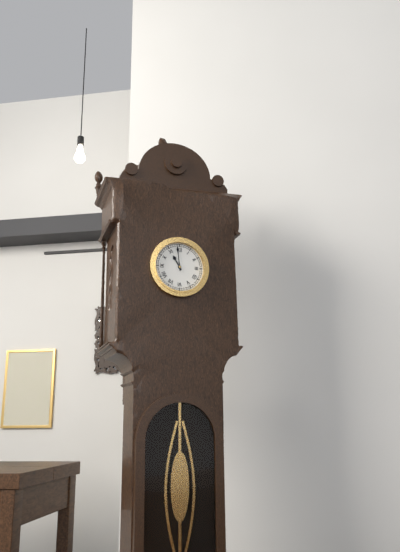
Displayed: 10 h 59 min
